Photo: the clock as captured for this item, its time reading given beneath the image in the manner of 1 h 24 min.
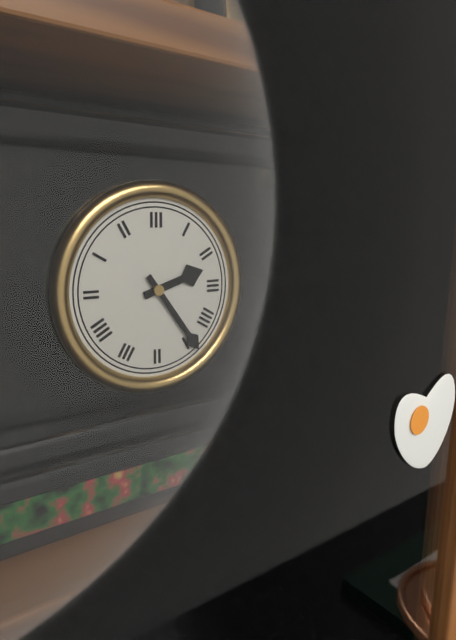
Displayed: 2 h 24 min
